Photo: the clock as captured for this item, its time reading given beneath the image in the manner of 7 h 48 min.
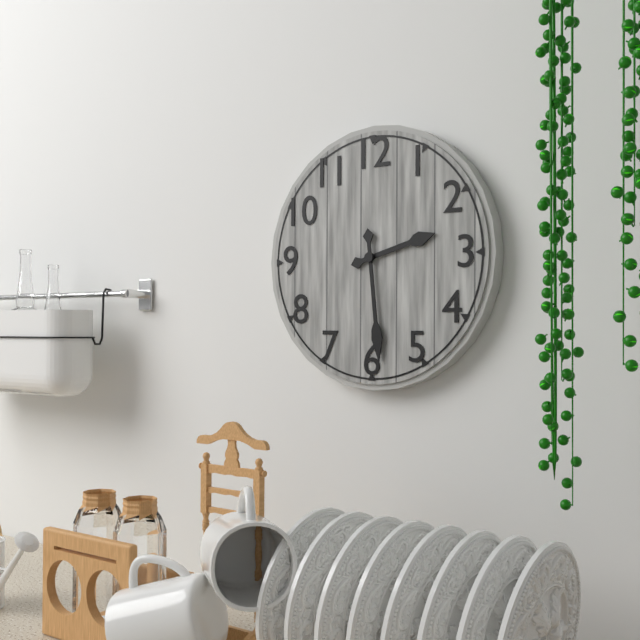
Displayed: 2 h 29 min
